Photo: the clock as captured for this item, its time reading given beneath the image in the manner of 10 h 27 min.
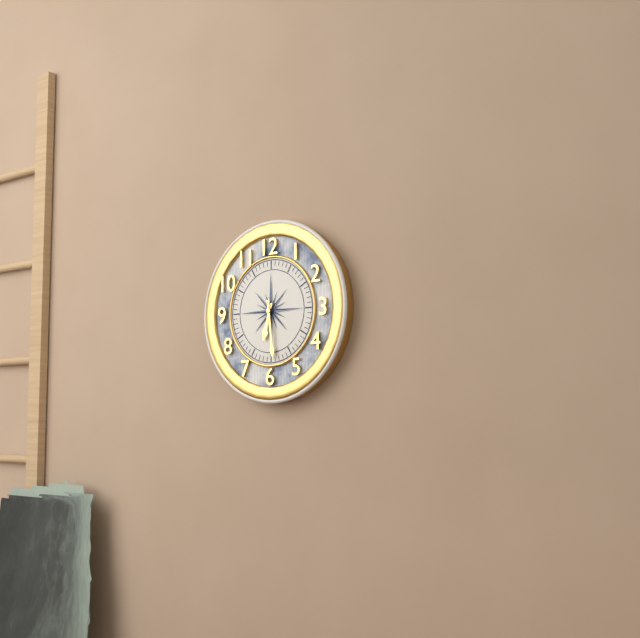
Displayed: 6 h 29 min
